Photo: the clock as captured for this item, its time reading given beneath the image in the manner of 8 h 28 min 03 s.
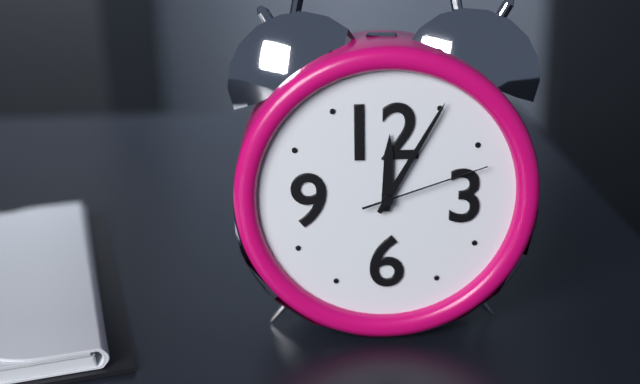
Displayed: 12 h 05 min 12 s
